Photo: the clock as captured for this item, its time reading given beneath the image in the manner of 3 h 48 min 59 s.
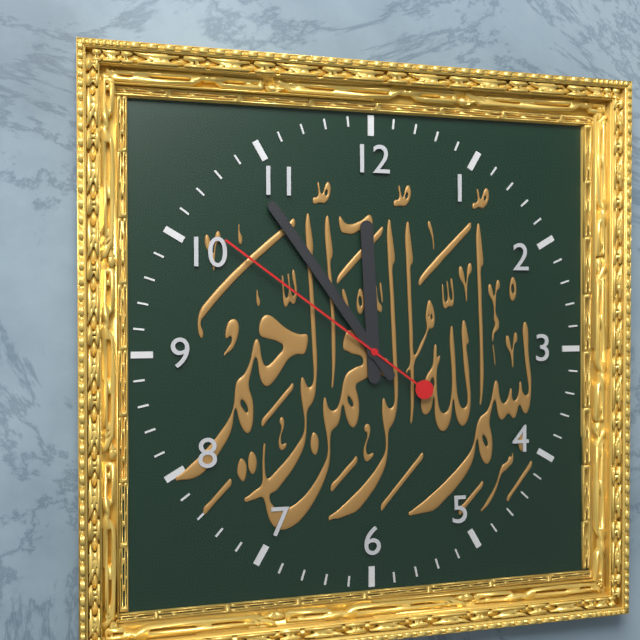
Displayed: 11 h 54 min 51 s
